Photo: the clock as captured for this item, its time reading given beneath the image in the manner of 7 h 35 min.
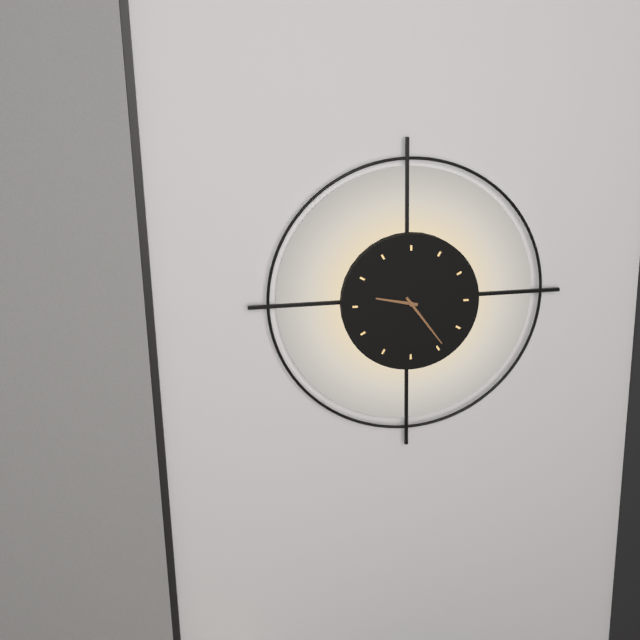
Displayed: 9 h 24 min
